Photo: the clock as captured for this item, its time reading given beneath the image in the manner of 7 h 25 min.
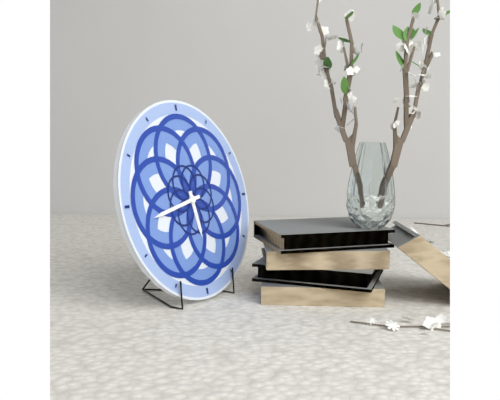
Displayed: 5 h 43 min
